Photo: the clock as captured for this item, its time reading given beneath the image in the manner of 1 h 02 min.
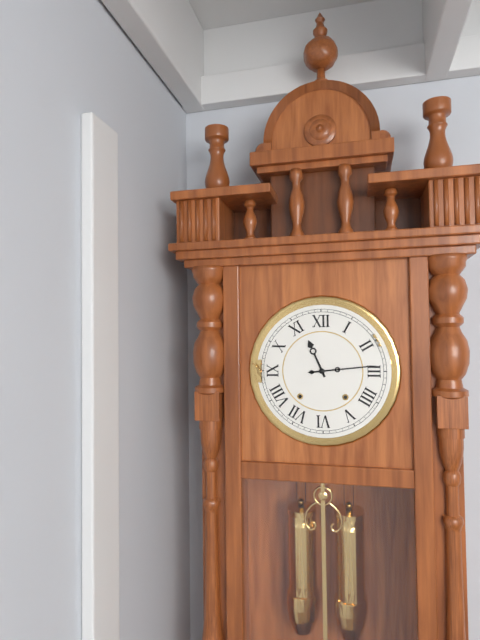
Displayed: 11 h 14 min
